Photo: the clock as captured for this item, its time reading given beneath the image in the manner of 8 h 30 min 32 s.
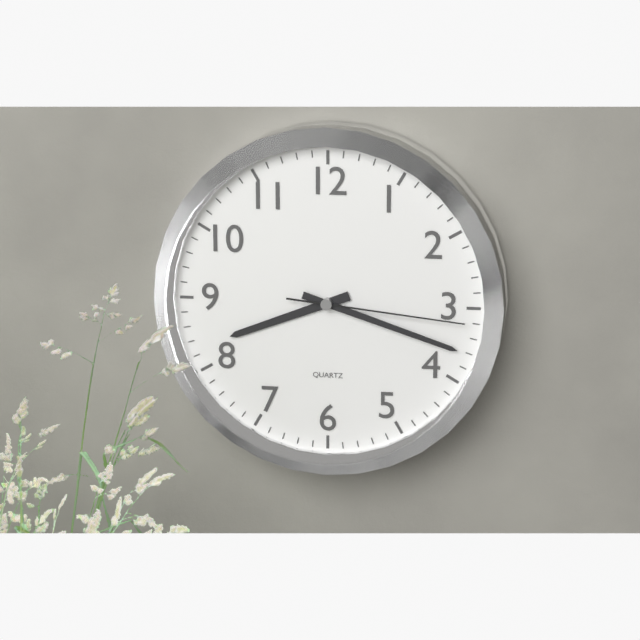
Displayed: 8 h 18 min 16 s
